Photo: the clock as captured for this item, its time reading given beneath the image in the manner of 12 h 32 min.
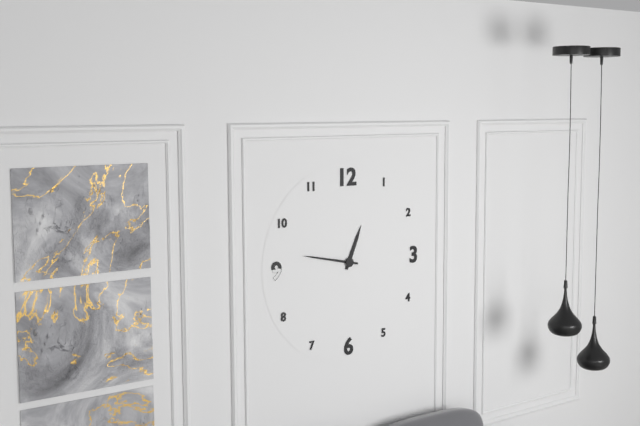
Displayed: 12 h 47 min
